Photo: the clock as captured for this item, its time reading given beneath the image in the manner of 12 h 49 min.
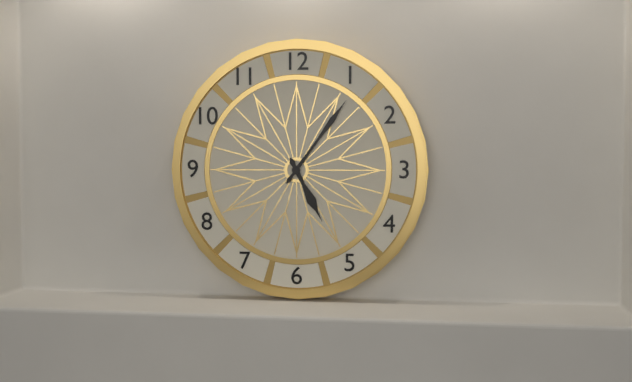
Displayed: 5 h 06 min
